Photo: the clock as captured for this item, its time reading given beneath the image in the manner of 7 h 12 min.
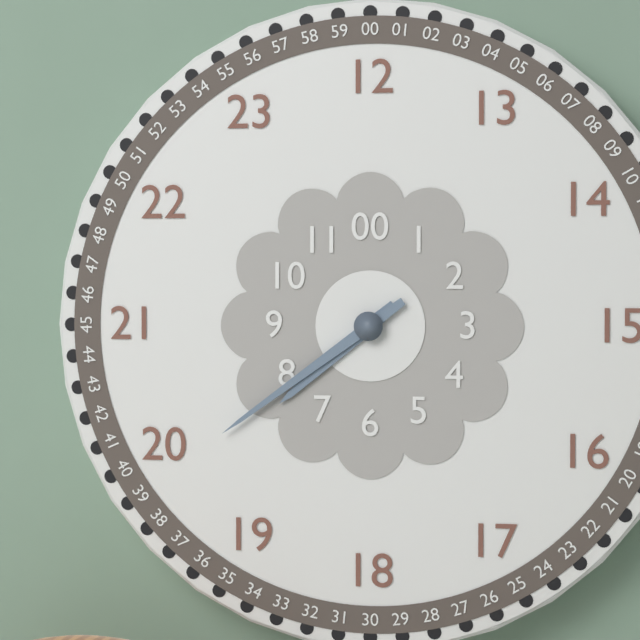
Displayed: 7 h 39 min
